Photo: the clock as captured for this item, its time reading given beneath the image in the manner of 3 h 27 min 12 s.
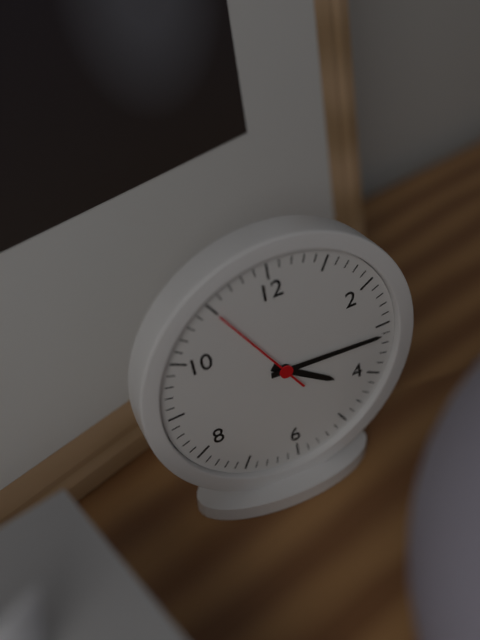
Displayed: 4 h 16 min 55 s
